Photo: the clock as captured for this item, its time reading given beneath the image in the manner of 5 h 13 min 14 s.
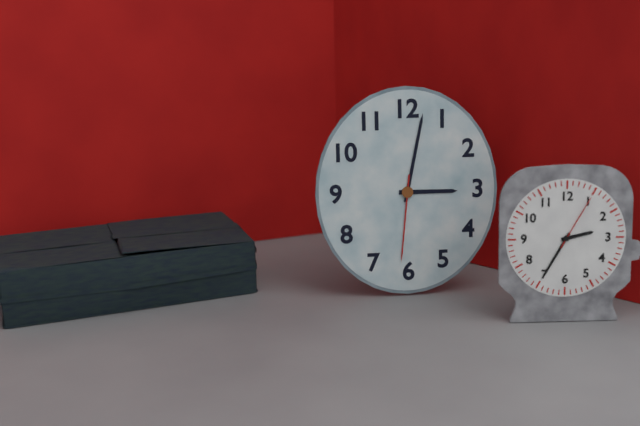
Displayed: 3 h 02 min 31 s
